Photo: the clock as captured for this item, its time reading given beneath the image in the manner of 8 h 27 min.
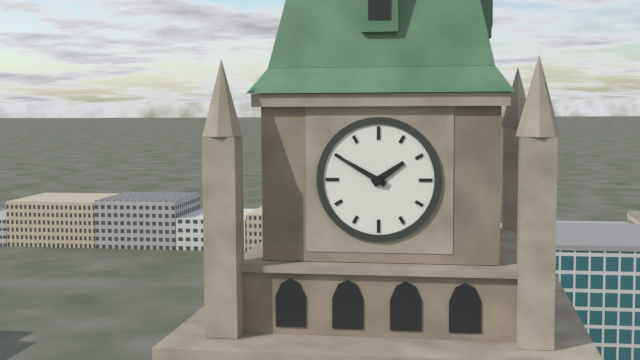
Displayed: 1 h 50 min
